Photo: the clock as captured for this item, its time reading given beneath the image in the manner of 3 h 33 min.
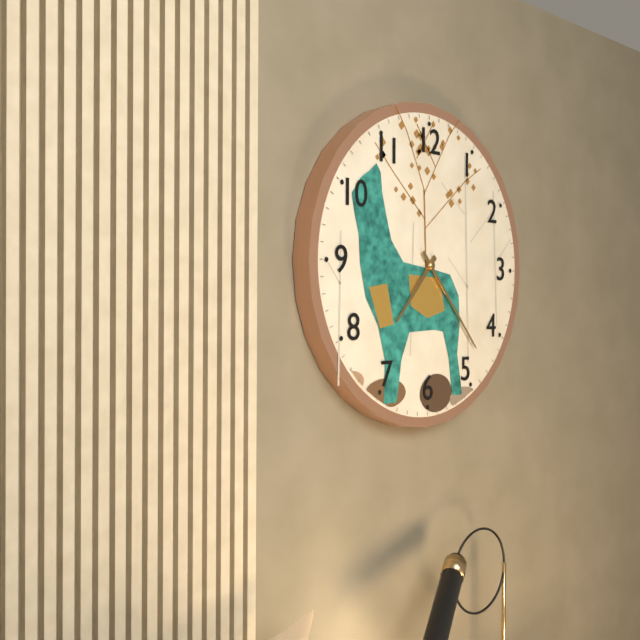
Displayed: 7 h 23 min
